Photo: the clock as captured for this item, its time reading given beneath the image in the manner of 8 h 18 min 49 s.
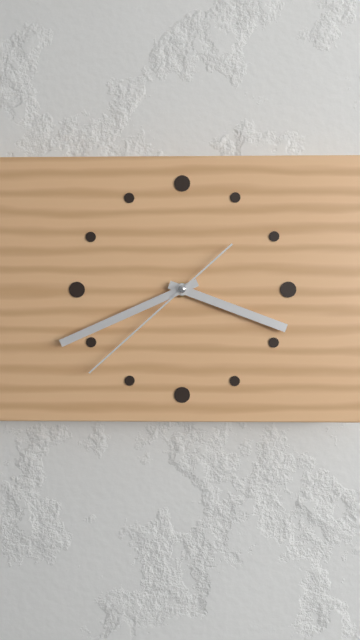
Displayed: 3 h 41 min 38 s
